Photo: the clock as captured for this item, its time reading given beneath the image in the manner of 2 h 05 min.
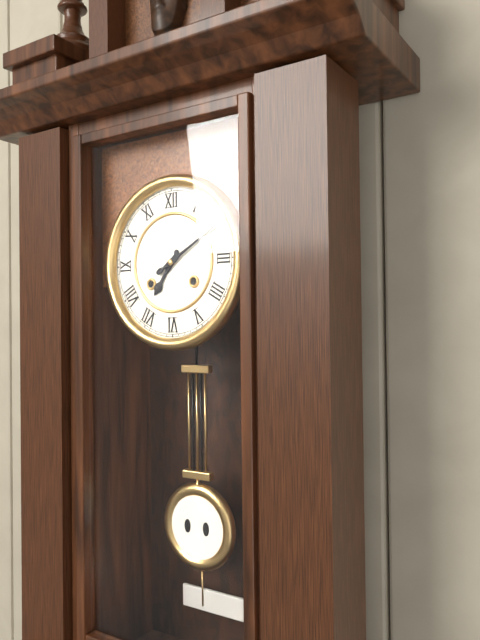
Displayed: 7 h 10 min
